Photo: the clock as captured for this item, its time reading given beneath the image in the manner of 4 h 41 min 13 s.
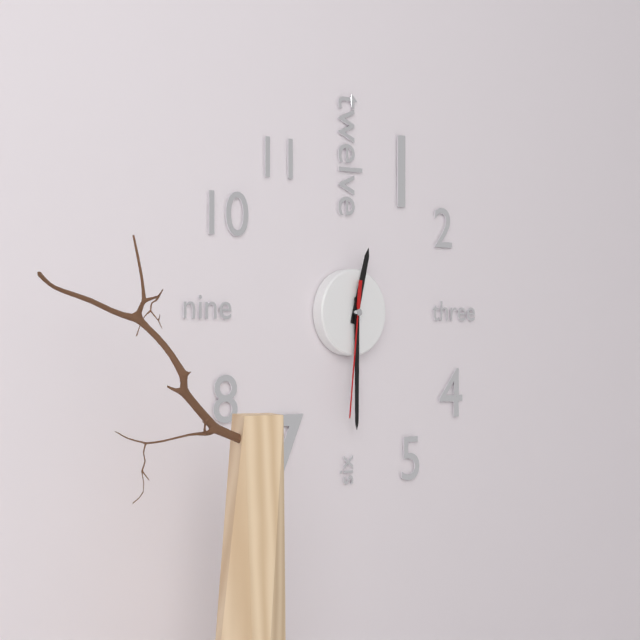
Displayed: 12 h 30 min 31 s
